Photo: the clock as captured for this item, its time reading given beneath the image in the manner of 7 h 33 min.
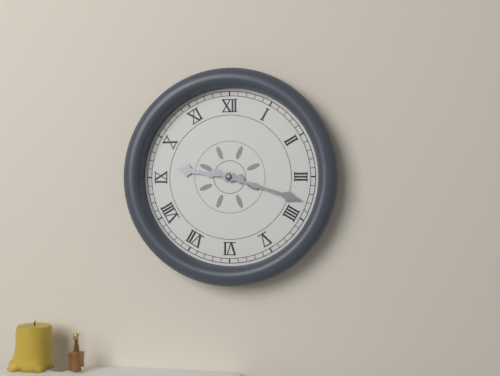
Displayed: 9 h 18 min
